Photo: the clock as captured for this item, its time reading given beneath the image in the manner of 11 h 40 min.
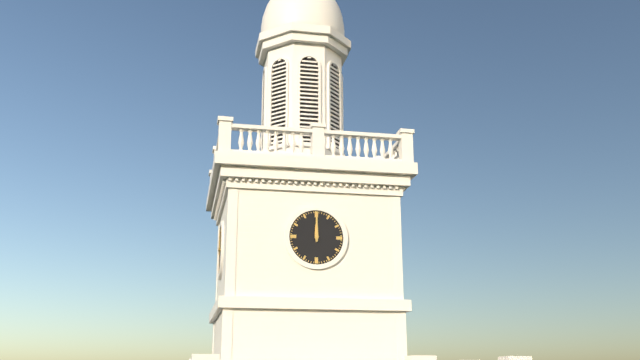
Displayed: 12 h 00 min
